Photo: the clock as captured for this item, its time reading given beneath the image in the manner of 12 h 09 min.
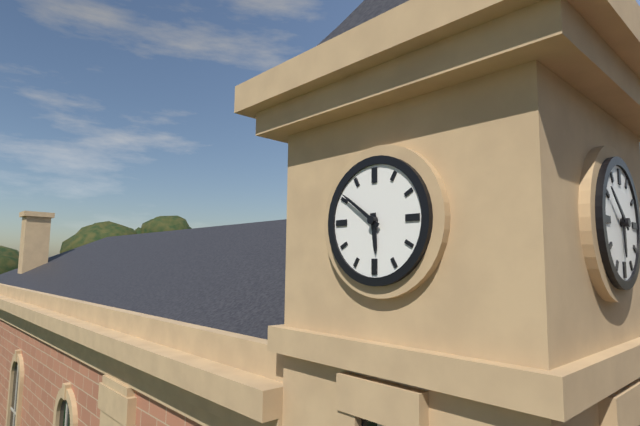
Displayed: 5 h 51 min
